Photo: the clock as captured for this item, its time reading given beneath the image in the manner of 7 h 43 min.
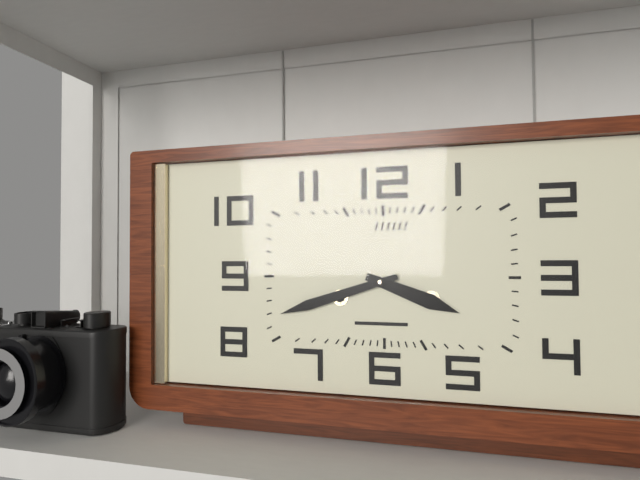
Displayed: 3 h 42 min
